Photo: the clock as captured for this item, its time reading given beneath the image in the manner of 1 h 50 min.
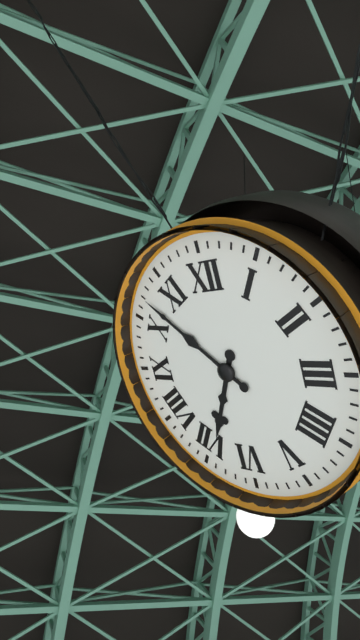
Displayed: 6 h 52 min
